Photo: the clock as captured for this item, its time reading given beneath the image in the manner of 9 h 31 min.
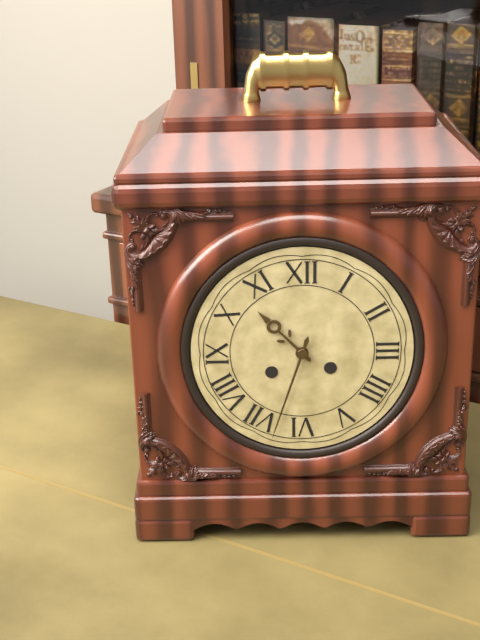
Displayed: 10 h 33 min
